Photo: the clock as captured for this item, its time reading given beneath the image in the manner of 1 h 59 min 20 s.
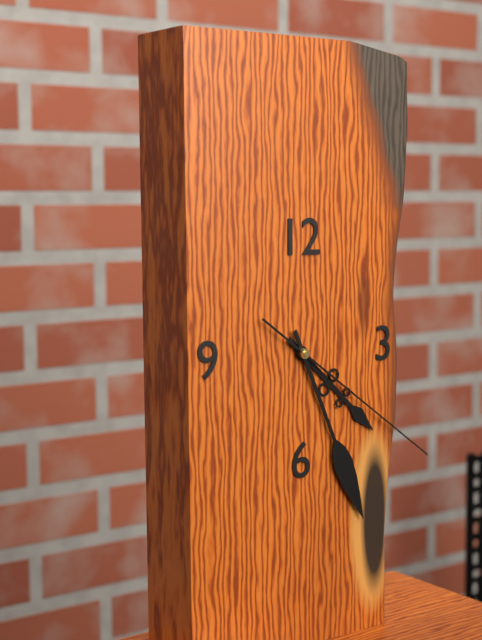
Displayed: 4 h 26 min 21 s
